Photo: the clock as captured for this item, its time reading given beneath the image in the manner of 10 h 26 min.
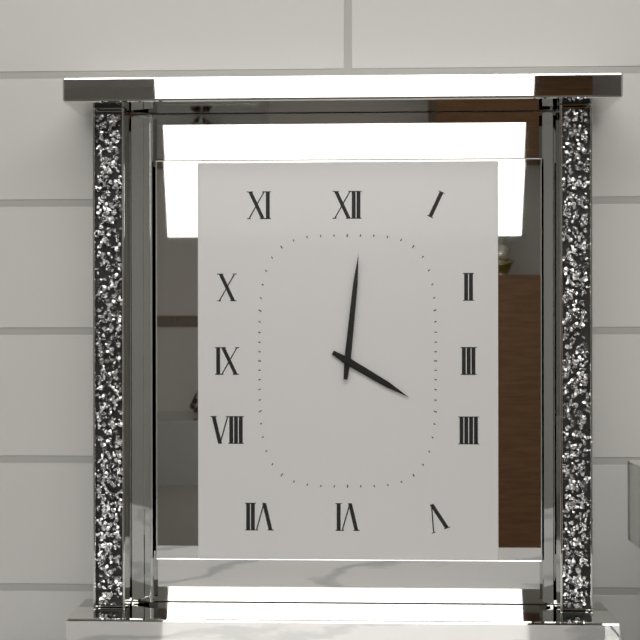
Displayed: 4 h 01 min
